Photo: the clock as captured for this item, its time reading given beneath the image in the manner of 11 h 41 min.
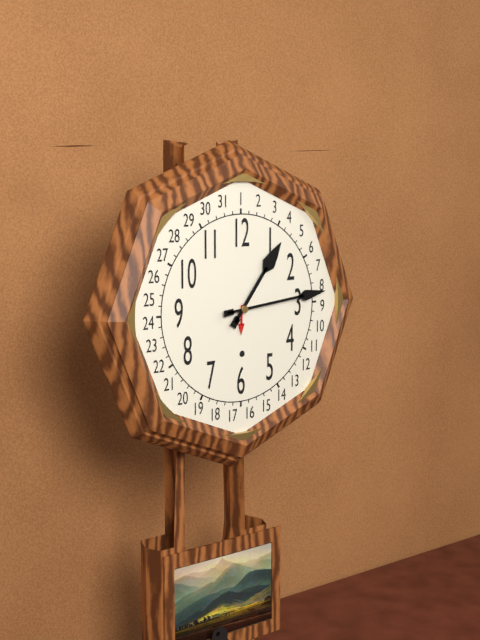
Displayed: 1 h 14 min
